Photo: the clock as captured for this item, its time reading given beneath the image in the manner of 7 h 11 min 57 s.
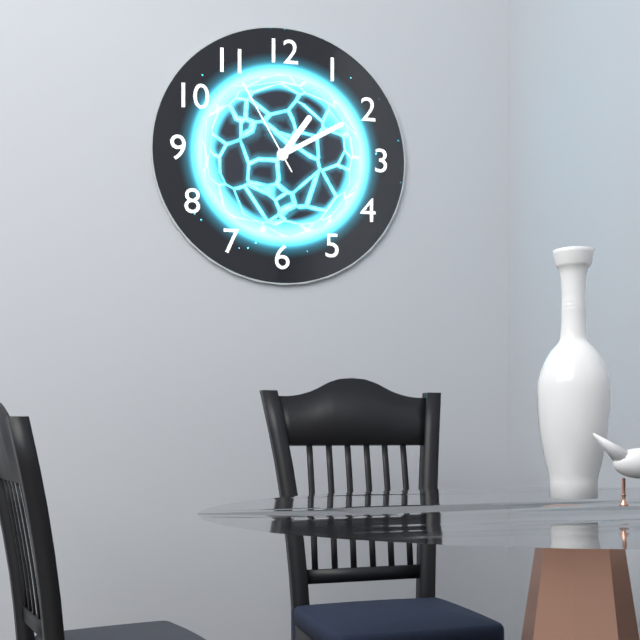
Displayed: 1 h 10 min 55 s
